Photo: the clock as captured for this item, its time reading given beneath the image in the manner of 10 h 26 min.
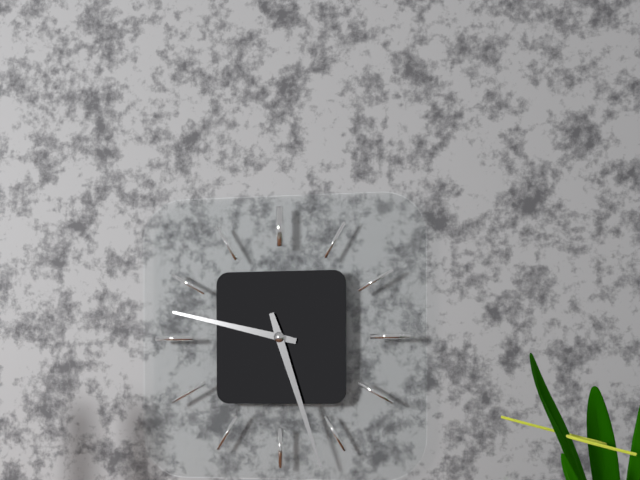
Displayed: 9 h 27 min
